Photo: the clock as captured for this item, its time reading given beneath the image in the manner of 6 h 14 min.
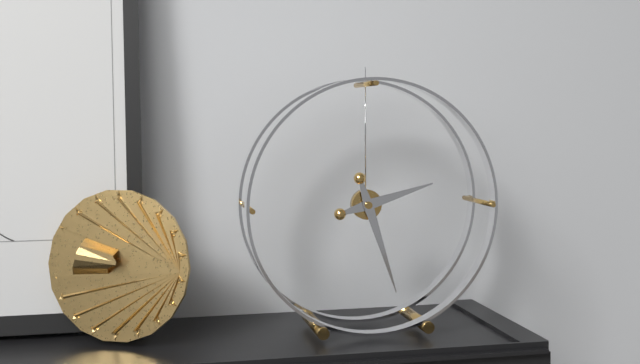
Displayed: 2 h 27 min
